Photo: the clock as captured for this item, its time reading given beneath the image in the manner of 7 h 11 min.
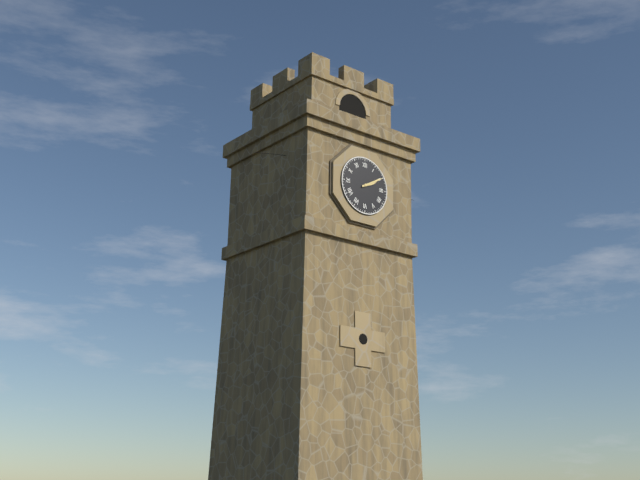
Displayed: 2 h 10 min
